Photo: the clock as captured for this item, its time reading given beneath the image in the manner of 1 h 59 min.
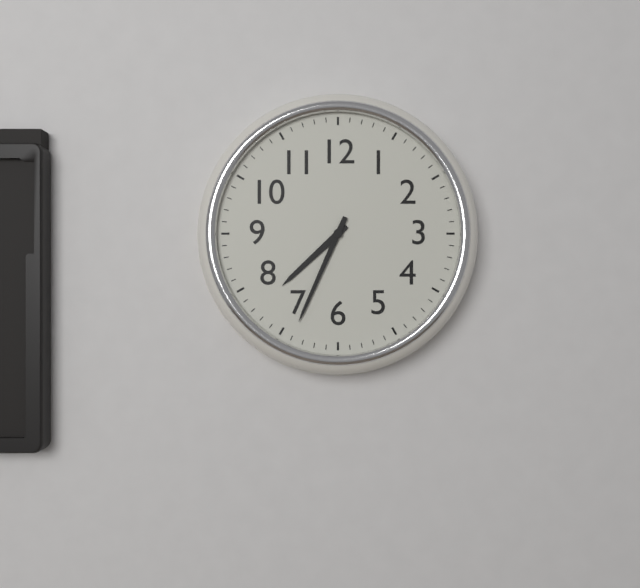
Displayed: 7 h 34 min
